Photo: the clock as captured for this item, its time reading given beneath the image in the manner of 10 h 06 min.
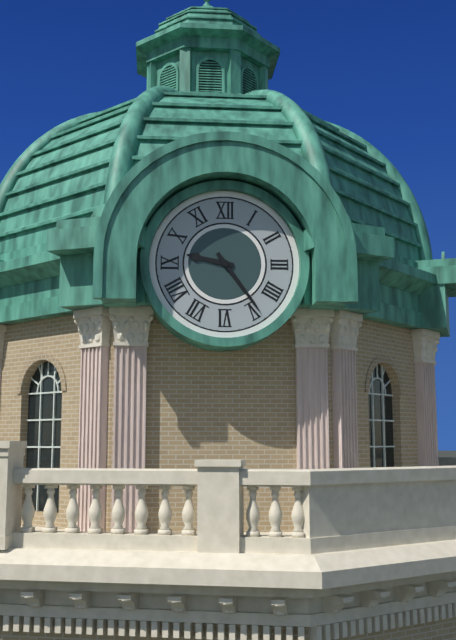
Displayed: 9 h 24 min
